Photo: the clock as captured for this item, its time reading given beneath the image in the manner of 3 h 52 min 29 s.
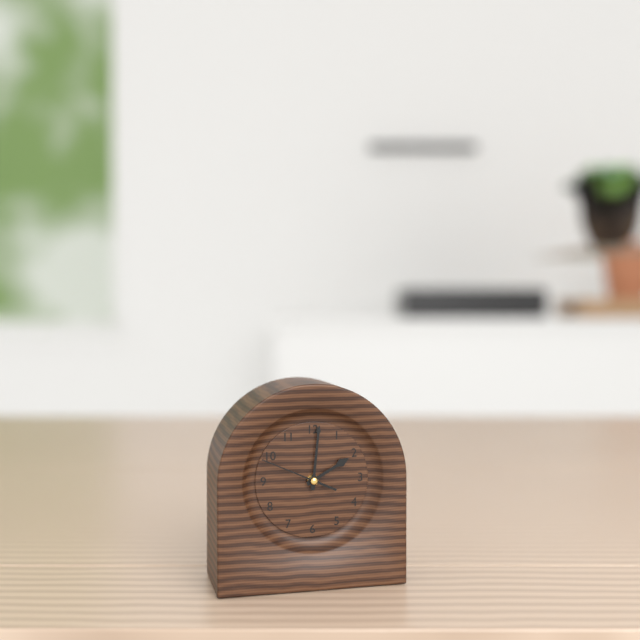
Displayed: 2 h 01 min 49 s
